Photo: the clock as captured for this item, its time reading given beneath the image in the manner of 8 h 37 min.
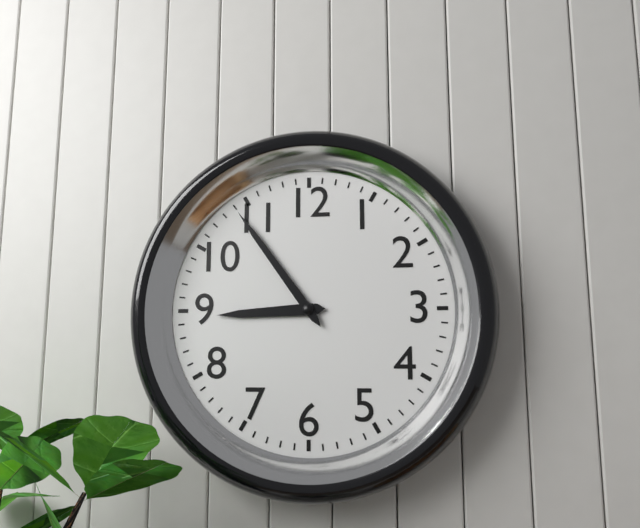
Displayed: 8 h 54 min
